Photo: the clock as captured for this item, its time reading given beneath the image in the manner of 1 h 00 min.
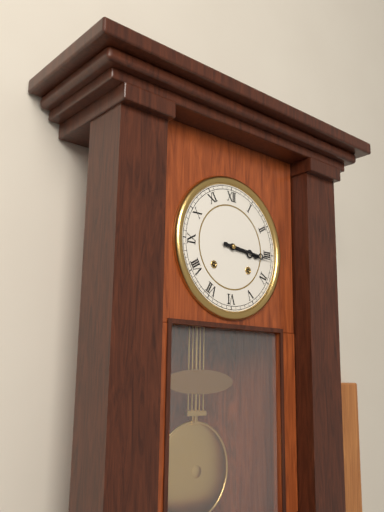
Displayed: 3 h 16 min
